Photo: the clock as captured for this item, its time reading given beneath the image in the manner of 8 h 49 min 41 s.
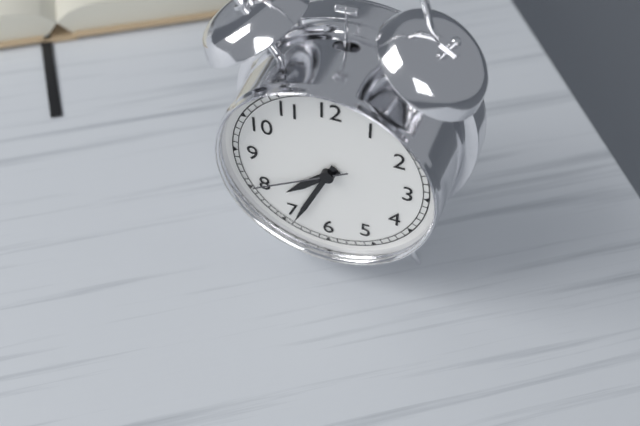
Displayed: 7 h 34 min 40 s
